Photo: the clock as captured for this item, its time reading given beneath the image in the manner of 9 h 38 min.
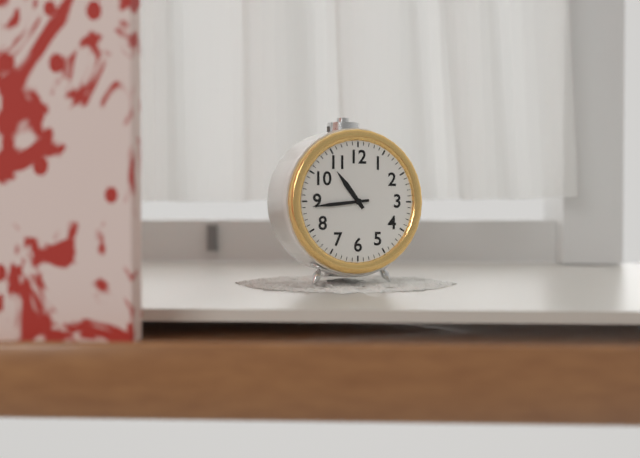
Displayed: 10 h 44 min
